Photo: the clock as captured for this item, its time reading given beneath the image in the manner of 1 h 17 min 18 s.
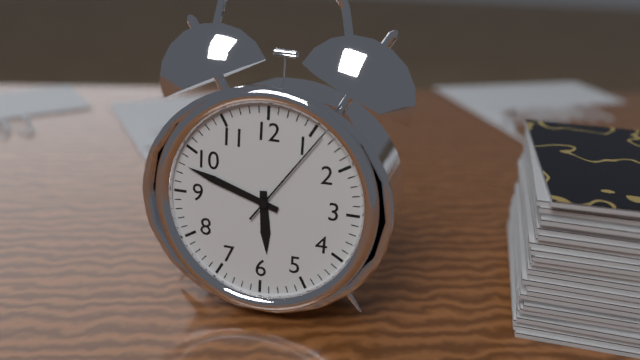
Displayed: 5 h 48 min 06 s
